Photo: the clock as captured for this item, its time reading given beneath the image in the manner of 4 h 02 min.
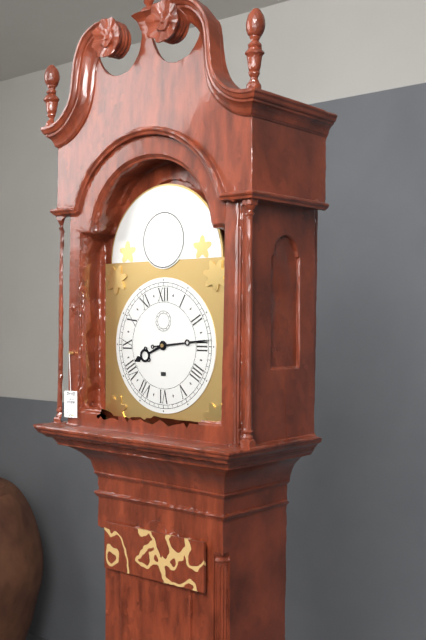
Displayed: 8 h 14 min
